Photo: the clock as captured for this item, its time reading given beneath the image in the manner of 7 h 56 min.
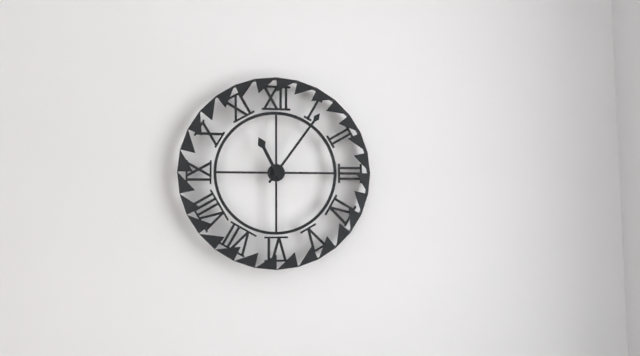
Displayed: 11 h 06 min
